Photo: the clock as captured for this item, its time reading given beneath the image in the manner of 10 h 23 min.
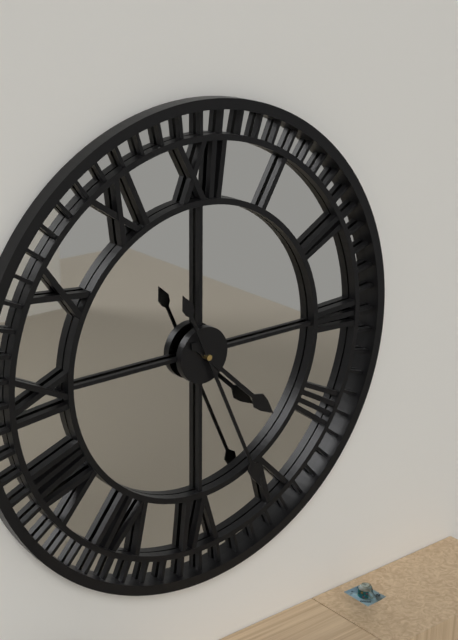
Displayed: 4 h 26 min
